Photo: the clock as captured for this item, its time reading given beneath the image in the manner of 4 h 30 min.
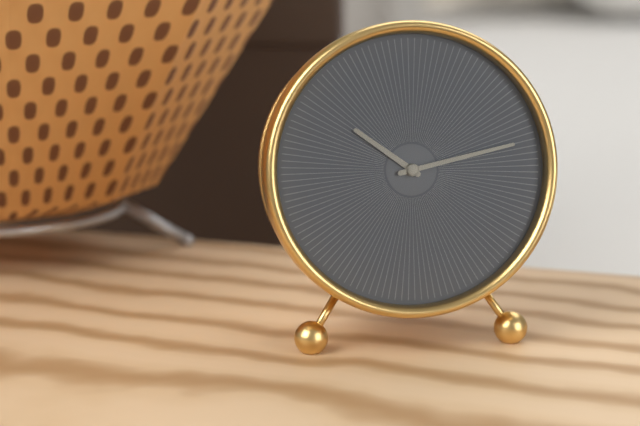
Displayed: 10 h 13 min
